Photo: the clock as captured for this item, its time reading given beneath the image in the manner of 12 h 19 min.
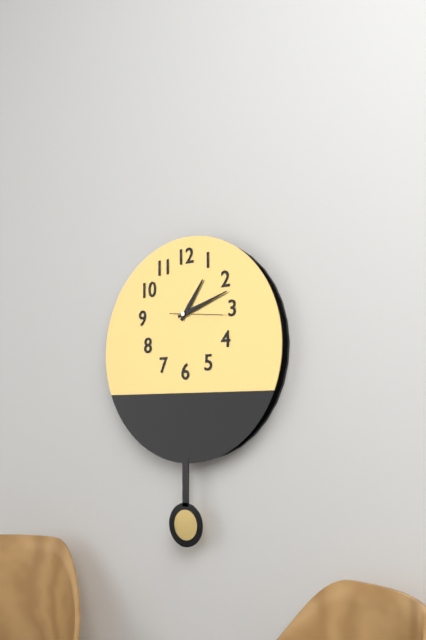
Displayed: 1 h 12 min
